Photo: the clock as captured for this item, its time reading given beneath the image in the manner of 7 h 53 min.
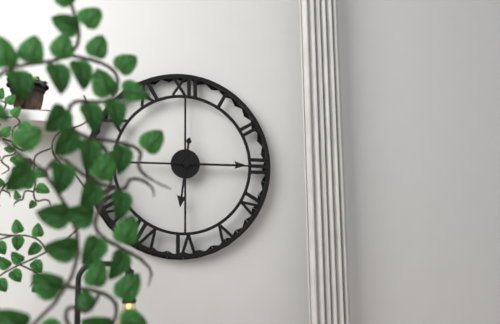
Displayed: 6 h 15 min
